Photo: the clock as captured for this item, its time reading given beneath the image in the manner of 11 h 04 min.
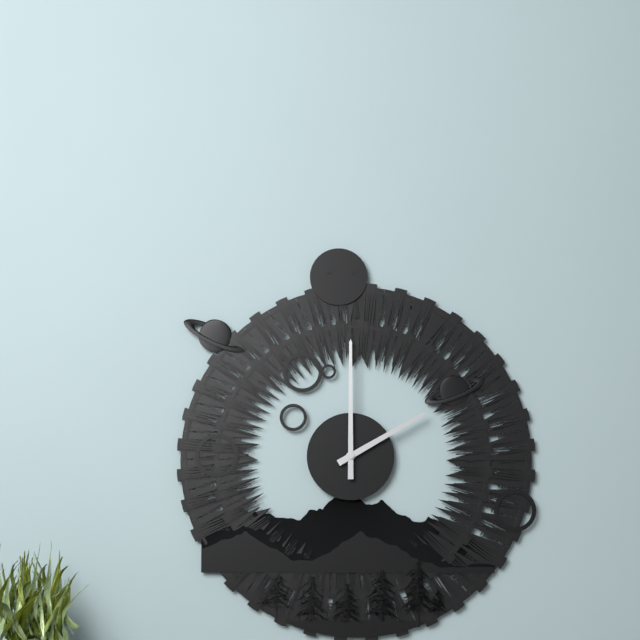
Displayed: 2 h 00 min
